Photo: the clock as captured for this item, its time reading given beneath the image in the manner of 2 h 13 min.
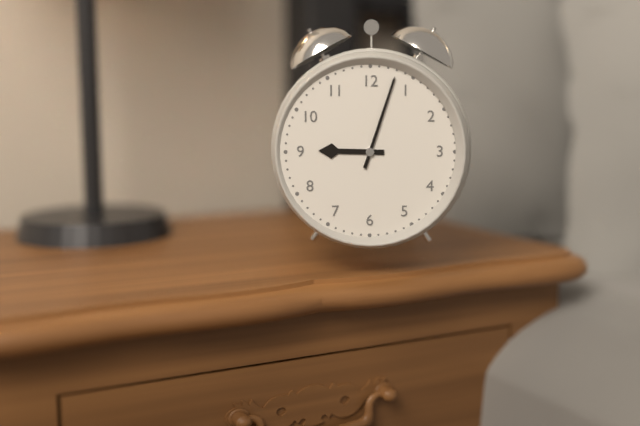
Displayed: 9 h 03 min
